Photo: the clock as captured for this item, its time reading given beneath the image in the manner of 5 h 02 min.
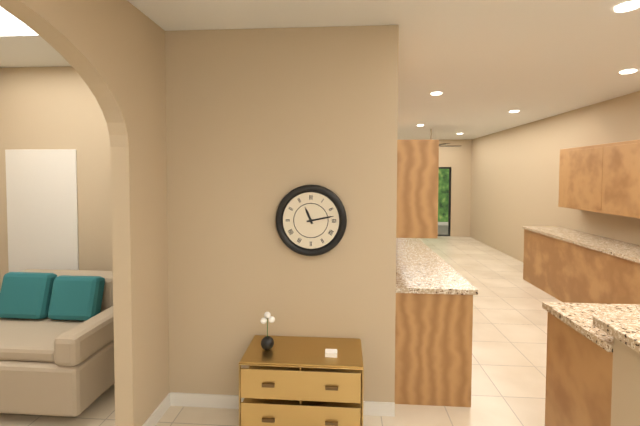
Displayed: 11 h 13 min
